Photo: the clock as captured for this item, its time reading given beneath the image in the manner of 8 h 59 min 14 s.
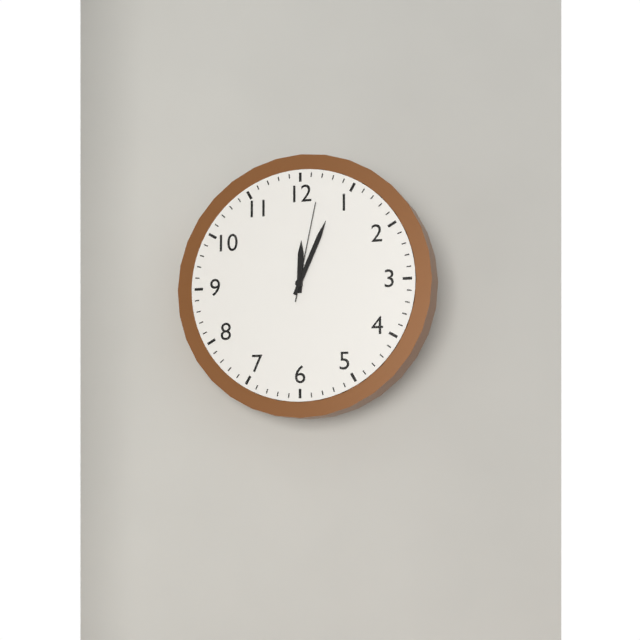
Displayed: 12 h 04 min 02 s
